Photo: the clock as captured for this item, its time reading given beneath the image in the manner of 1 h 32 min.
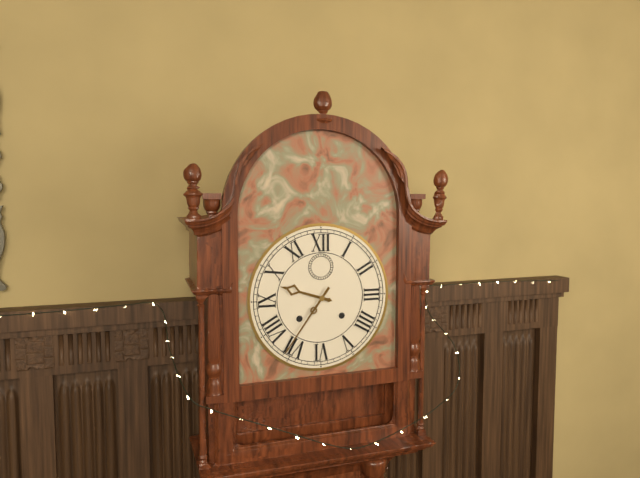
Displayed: 9 h 36 min
